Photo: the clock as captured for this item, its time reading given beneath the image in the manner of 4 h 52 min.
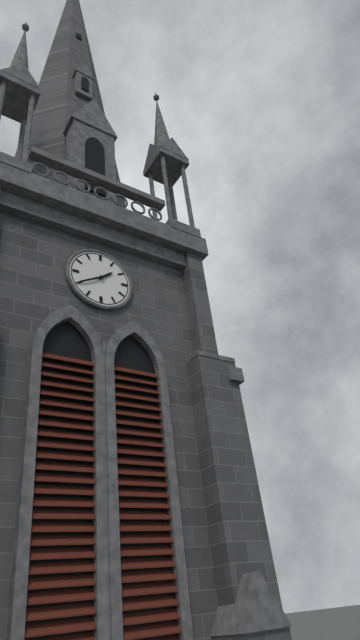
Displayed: 1 h 40 min
